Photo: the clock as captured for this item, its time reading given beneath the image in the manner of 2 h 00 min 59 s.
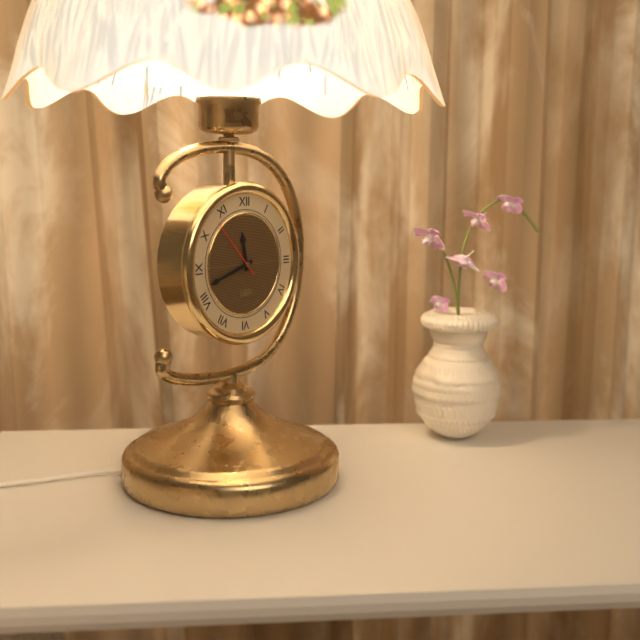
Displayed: 11 h 42 min 53 s
